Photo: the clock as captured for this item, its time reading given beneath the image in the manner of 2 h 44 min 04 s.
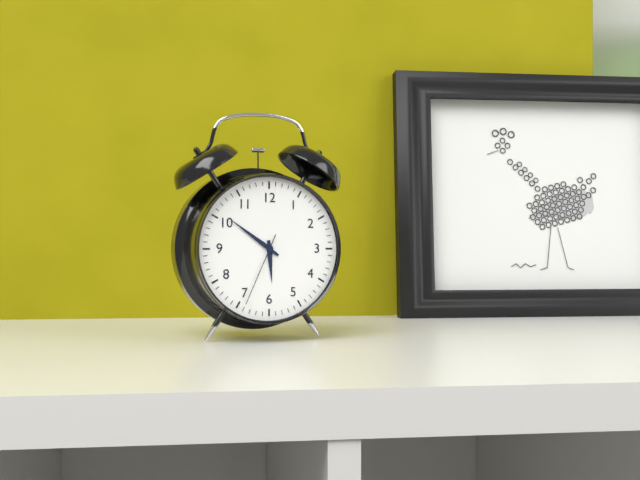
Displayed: 5 h 51 min 34 s
